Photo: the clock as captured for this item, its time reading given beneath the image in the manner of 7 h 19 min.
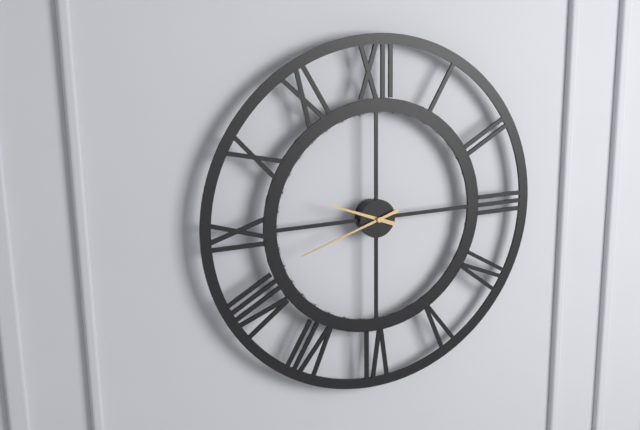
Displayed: 9 h 42 min
